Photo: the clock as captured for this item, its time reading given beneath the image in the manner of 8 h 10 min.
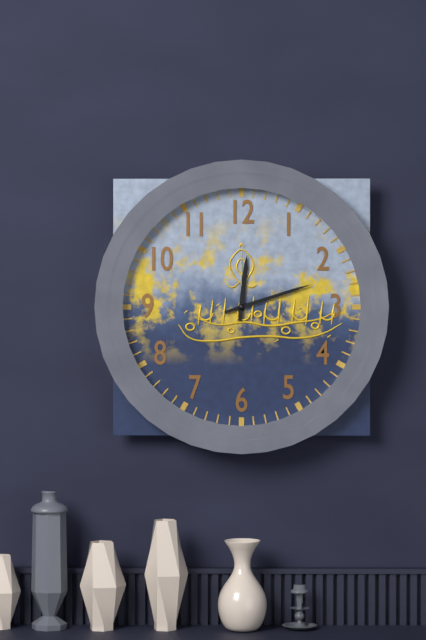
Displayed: 12 h 12 min
